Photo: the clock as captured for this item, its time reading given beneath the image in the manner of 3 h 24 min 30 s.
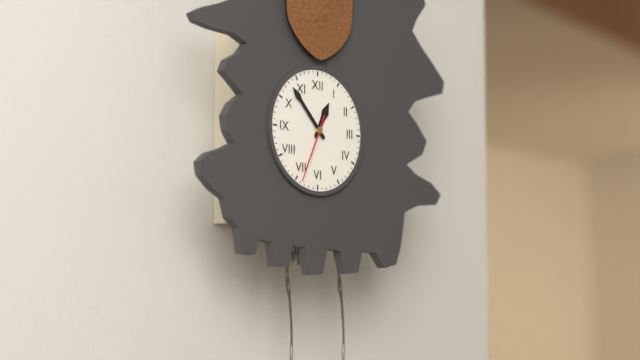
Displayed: 12 h 53 min 34 s
